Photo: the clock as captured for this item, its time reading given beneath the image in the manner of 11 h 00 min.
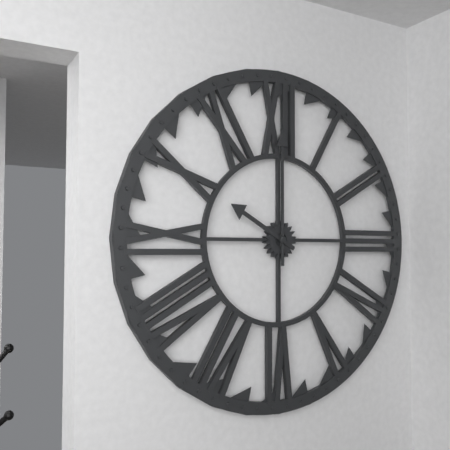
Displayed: 10 h 00 min
